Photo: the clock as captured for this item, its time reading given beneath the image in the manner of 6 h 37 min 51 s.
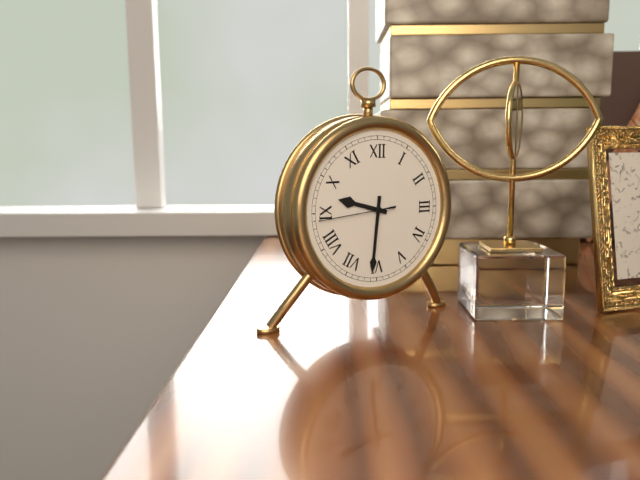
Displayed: 9 h 31 min 44 s
